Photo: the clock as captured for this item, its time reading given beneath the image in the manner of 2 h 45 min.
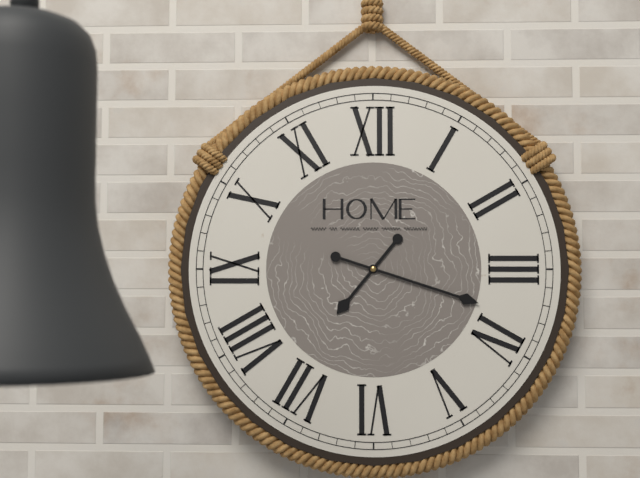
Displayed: 7 h 18 min
